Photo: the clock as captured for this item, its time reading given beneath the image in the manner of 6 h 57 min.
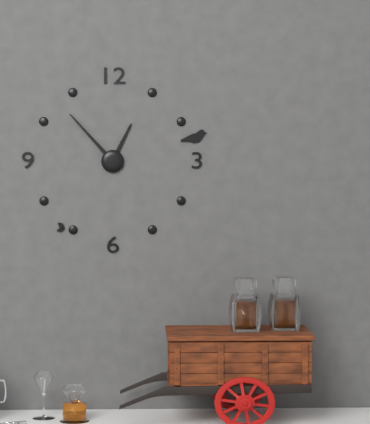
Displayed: 12 h 53 min
